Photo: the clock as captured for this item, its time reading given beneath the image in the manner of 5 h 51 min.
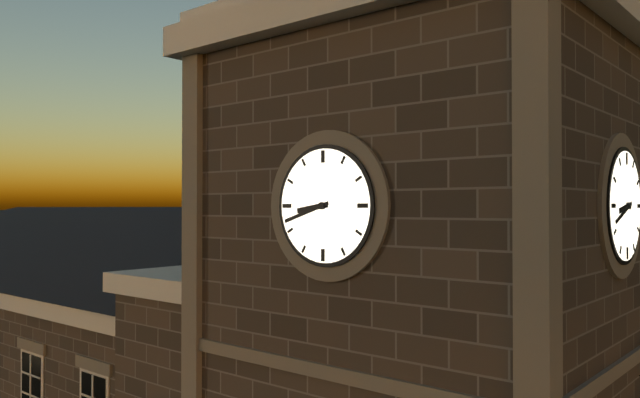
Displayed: 8 h 42 min
